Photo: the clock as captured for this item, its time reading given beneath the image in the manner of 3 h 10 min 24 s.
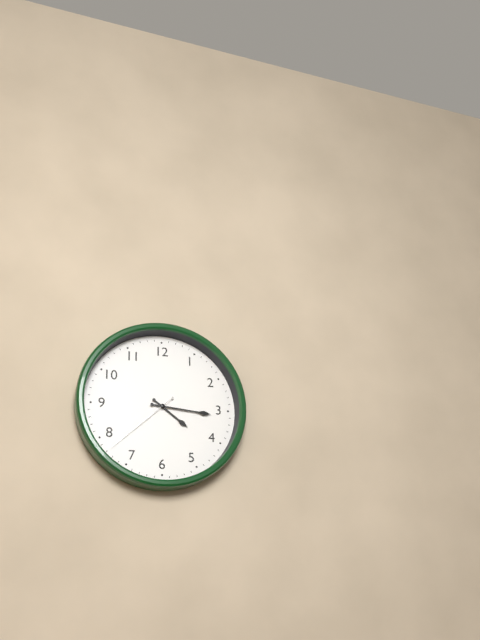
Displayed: 4 h 16 min 38 s
